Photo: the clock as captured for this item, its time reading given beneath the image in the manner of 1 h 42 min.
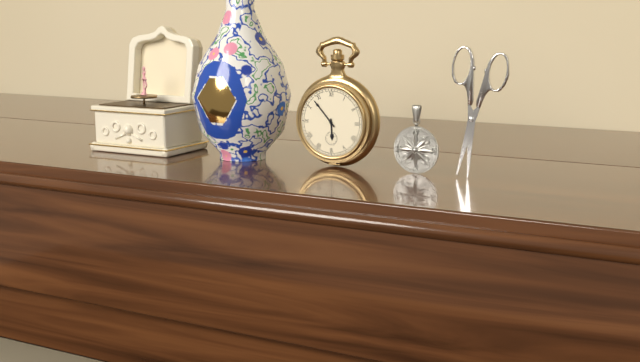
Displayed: 5 h 53 min
